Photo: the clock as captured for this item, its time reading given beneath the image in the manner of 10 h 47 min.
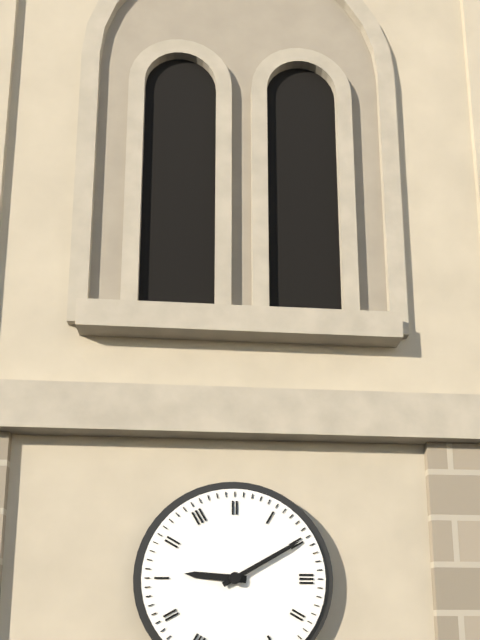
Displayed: 9 h 10 min
